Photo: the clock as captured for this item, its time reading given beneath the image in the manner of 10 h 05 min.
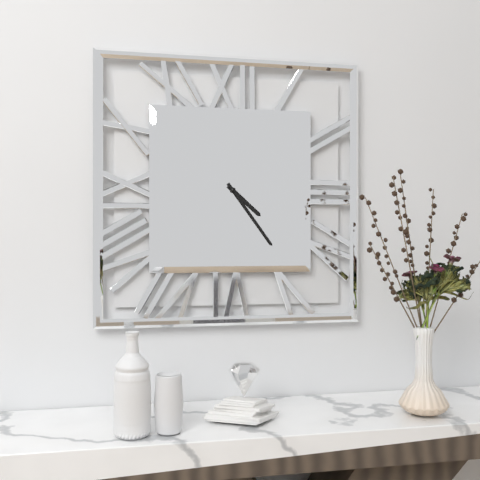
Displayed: 4 h 24 min
